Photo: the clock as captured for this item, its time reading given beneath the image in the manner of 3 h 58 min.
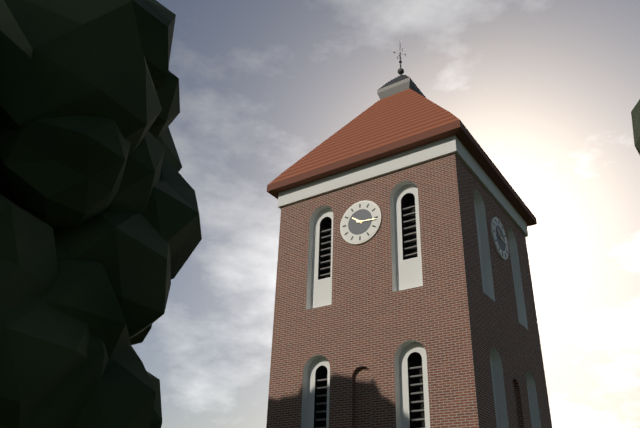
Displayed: 10 h 16 min
